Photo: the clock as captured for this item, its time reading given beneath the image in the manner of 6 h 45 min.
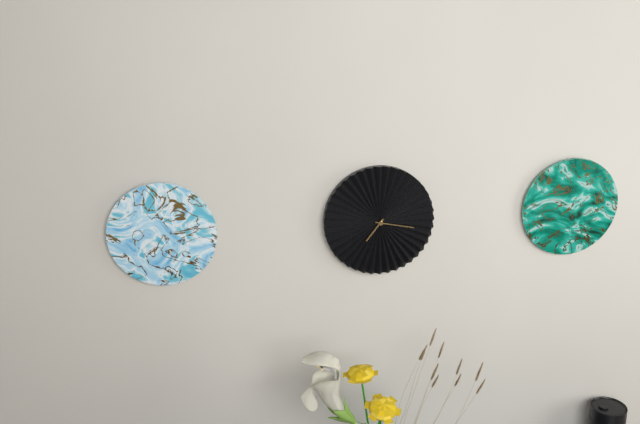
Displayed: 7 h 17 min
